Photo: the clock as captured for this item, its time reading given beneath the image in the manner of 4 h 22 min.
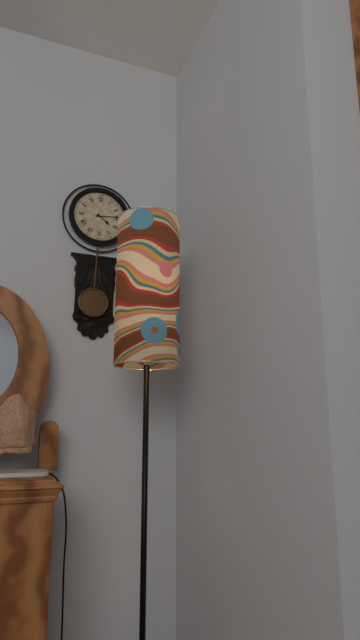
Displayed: 4 h 14 min
